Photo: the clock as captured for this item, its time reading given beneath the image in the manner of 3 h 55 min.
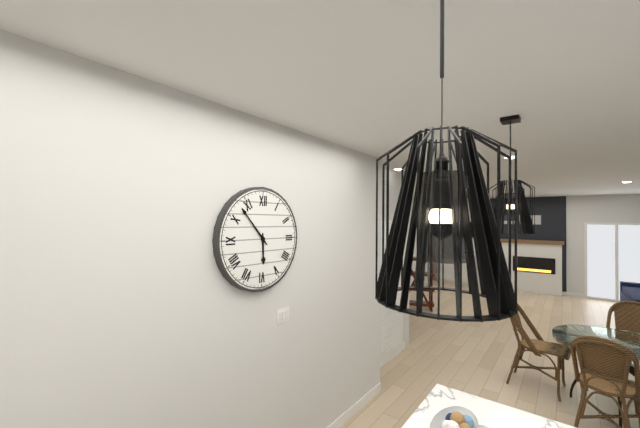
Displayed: 5 h 53 min
